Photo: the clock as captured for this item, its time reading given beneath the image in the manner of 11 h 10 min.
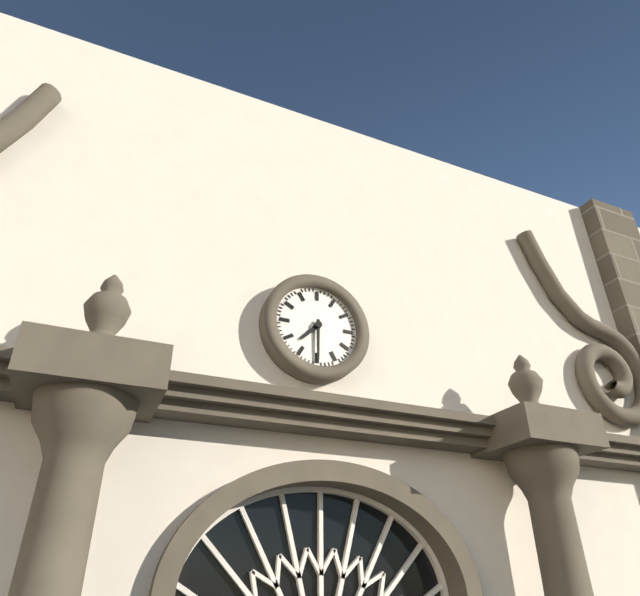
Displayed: 7 h 30 min
